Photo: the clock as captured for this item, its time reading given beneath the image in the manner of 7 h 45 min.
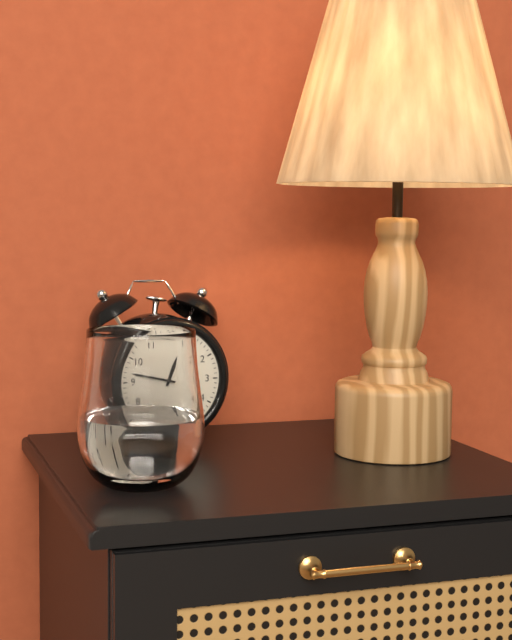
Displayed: 12 h 47 min
